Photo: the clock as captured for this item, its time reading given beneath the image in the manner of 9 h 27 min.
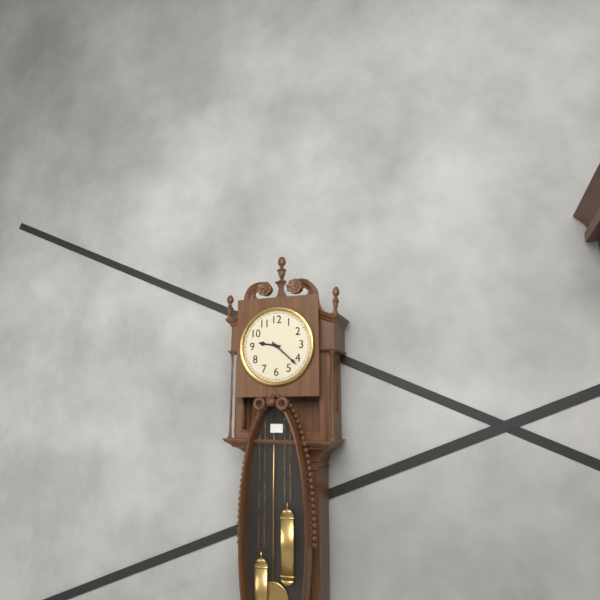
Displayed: 9 h 22 min
